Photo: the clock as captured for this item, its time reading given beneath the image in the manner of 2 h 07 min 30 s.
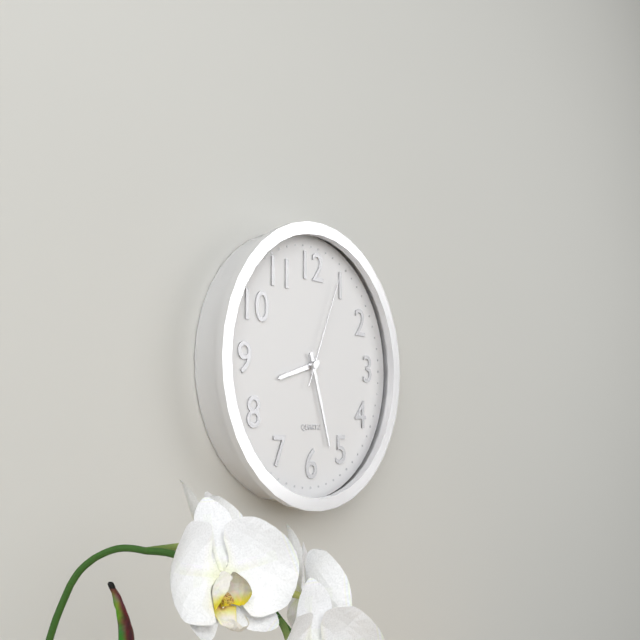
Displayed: 8 h 27 min 04 s
